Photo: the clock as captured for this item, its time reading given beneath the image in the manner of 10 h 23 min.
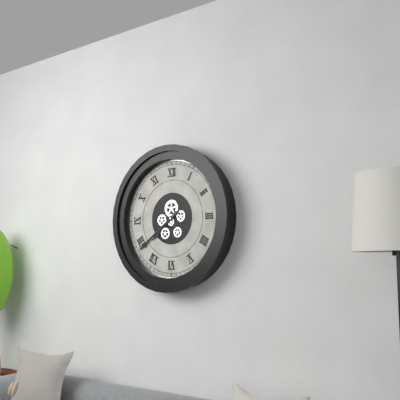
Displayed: 7 h 39 min
